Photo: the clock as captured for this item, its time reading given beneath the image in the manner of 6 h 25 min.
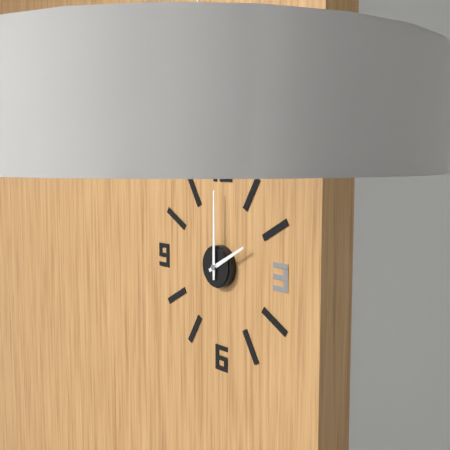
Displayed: 2 h 00 min
